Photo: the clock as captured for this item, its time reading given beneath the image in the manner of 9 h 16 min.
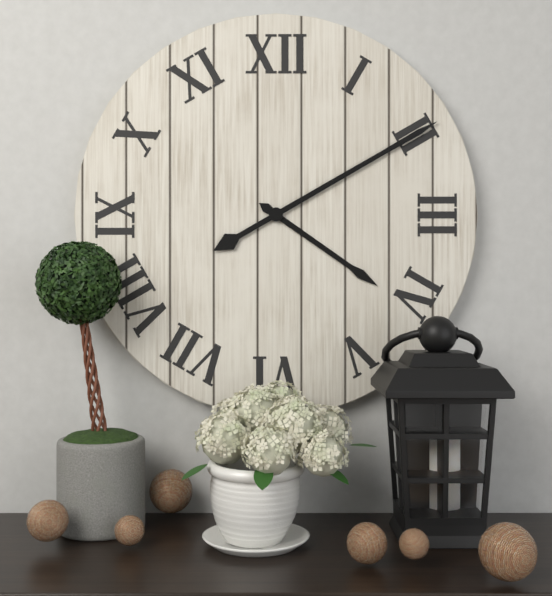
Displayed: 4 h 10 min
